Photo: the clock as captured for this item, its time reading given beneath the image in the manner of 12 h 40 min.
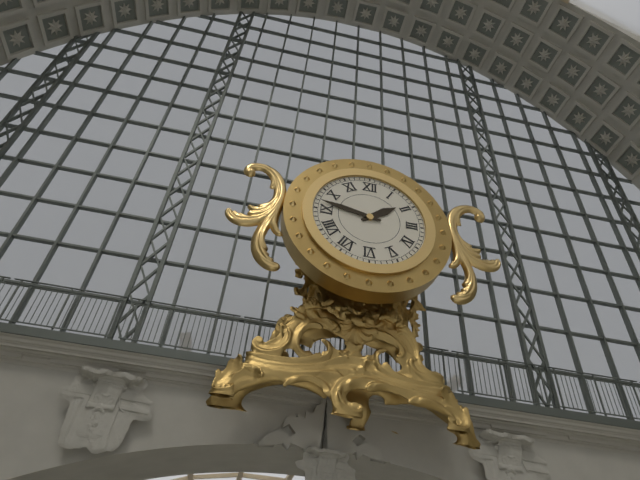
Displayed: 1 h 47 min
